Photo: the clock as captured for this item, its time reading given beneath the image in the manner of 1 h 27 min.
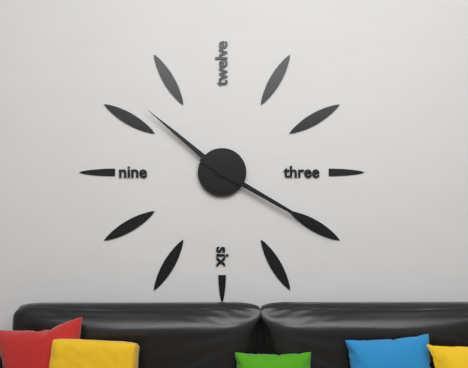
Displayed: 10 h 20 min
